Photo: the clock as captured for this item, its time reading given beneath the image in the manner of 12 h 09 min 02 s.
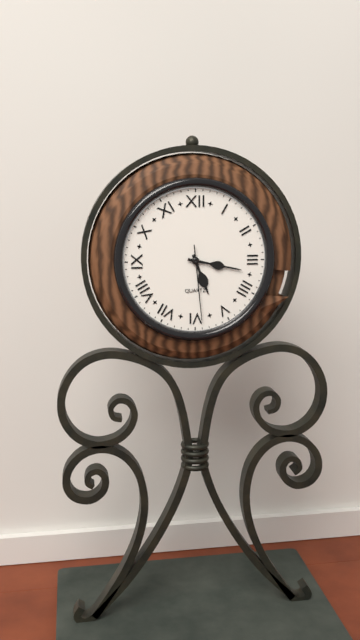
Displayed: 5 h 17 min 29 s
